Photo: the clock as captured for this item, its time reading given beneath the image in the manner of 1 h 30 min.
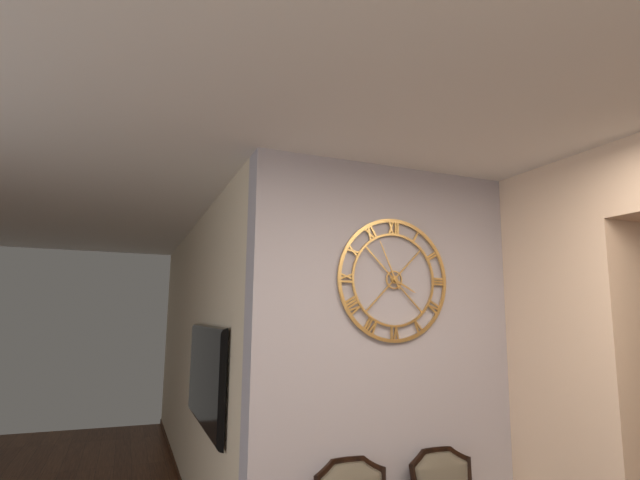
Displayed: 3 h 56 min
